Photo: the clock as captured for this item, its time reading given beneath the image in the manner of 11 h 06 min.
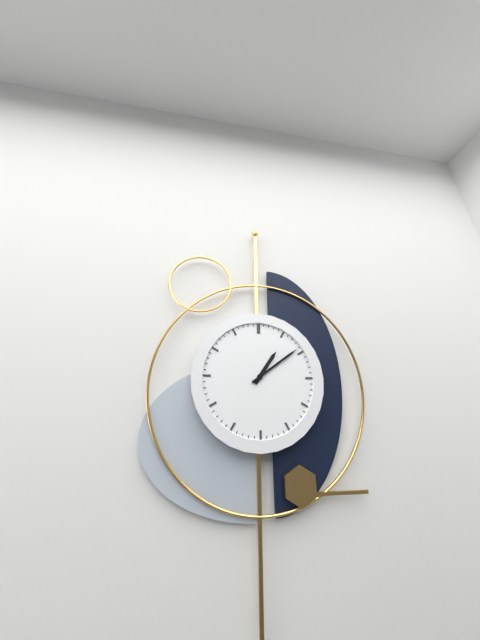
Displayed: 1 h 09 min
